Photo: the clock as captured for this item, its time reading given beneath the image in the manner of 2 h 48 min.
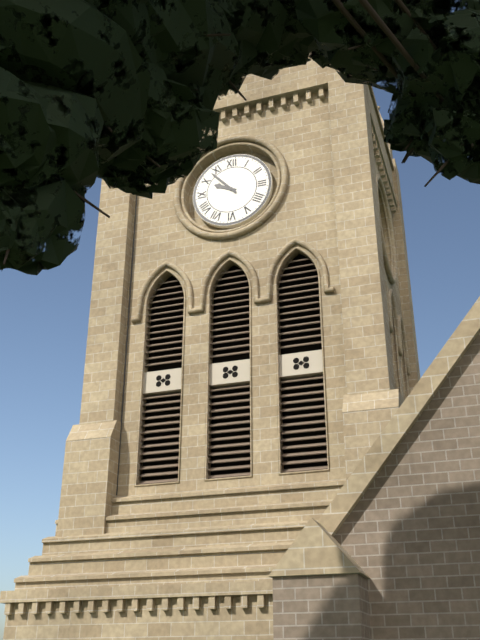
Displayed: 9 h 53 min
